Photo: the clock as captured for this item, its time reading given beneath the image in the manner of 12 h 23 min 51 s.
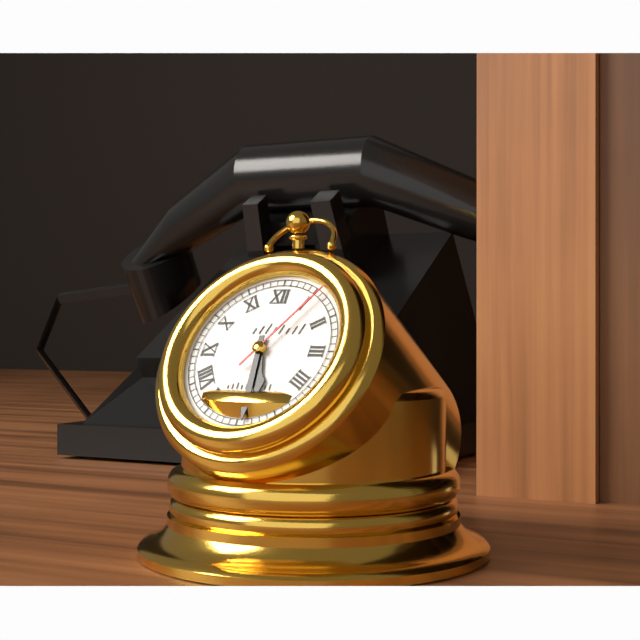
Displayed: 5 h 29 min 06 s
